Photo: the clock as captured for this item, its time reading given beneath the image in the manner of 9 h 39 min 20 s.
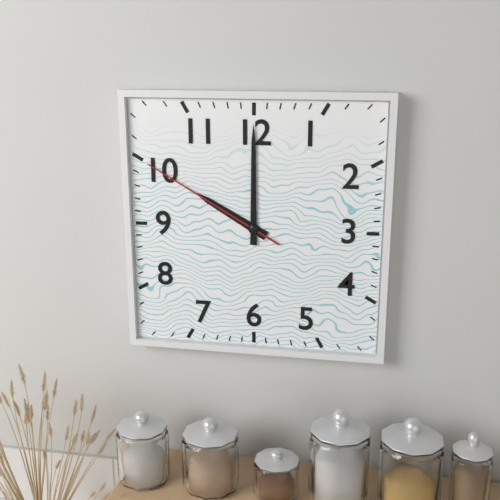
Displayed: 10 h 00 min 50 s
